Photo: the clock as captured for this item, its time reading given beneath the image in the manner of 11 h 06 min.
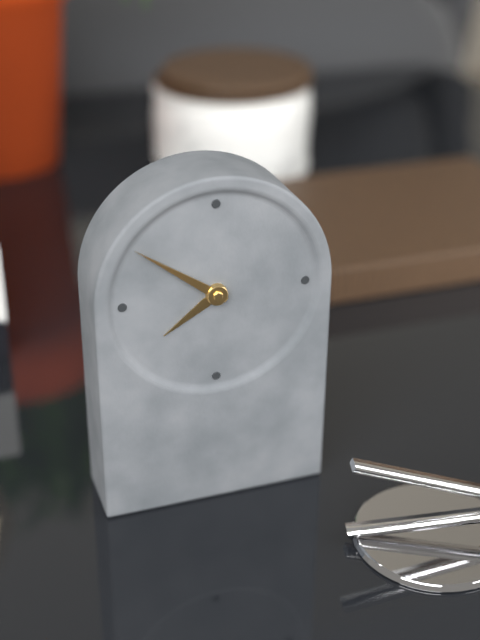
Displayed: 7 h 51 min
